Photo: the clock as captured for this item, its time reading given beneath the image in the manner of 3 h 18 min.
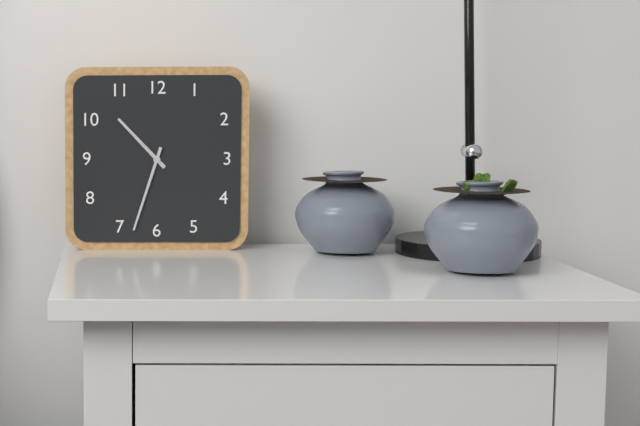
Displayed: 10 h 33 min
